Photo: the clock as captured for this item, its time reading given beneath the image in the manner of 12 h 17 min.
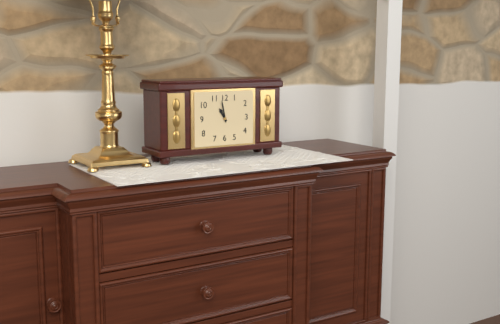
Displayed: 10 h 58 min
